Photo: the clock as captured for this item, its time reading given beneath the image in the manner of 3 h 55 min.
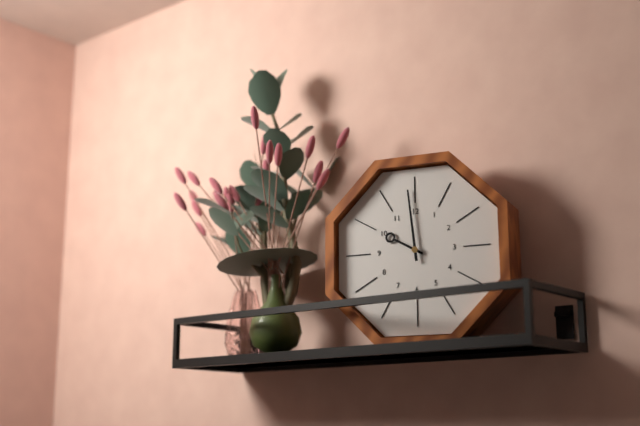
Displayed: 9 h 59 min
